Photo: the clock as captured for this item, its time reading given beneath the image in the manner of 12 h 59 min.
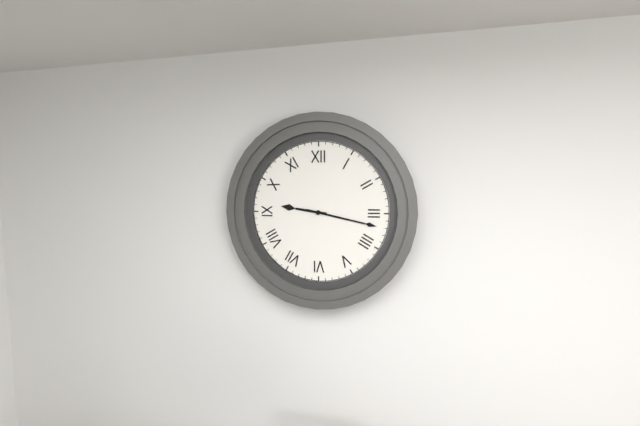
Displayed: 9 h 17 min
